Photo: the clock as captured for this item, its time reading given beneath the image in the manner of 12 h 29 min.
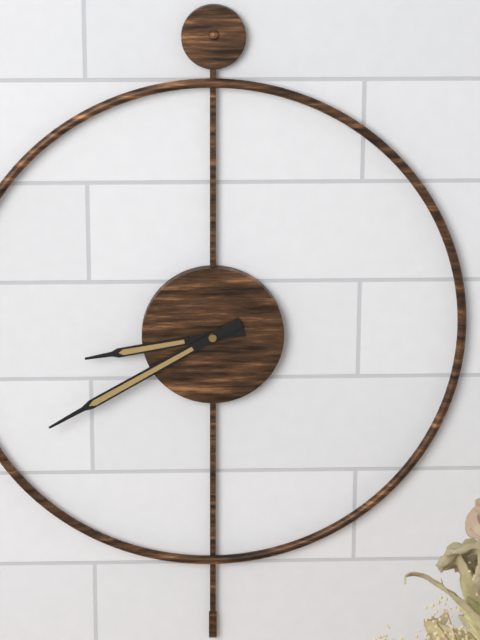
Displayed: 8 h 40 min
